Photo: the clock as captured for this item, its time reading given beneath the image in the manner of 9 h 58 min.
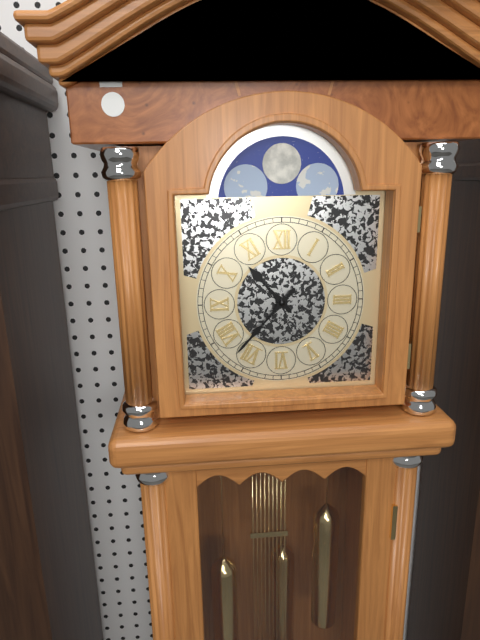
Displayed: 10 h 37 min
